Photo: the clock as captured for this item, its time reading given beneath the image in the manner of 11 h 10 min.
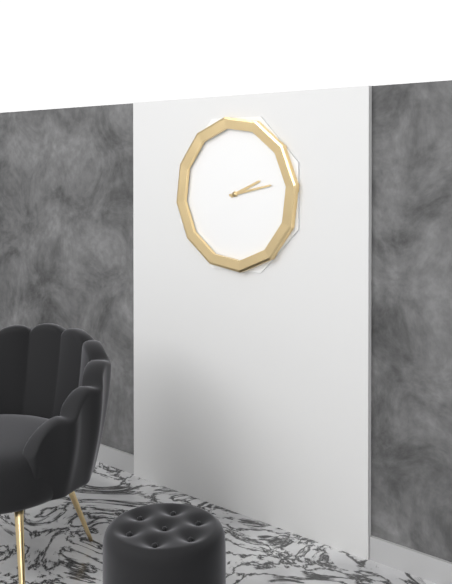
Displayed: 2 h 13 min
